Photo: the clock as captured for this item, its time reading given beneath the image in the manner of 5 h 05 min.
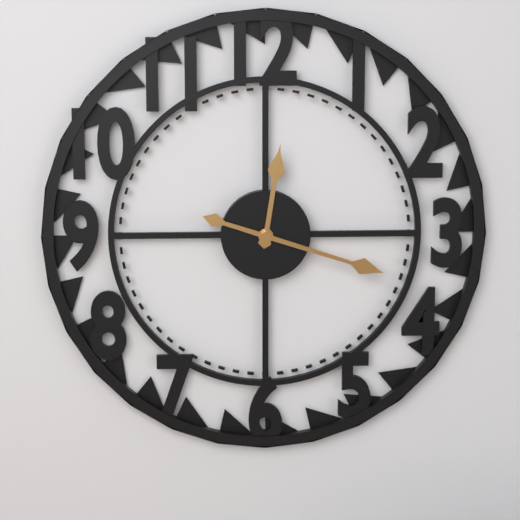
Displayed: 12 h 18 min
